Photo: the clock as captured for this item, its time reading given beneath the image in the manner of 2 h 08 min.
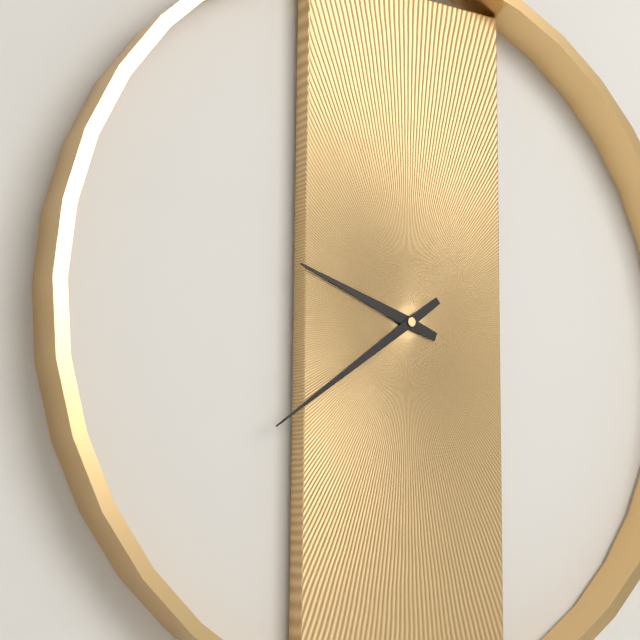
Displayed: 9 h 39 min
